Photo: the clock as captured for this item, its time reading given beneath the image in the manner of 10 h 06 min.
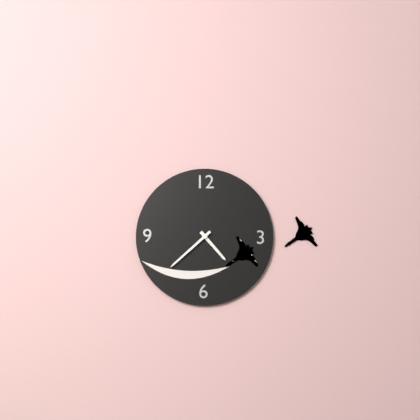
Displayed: 4 h 38 min
